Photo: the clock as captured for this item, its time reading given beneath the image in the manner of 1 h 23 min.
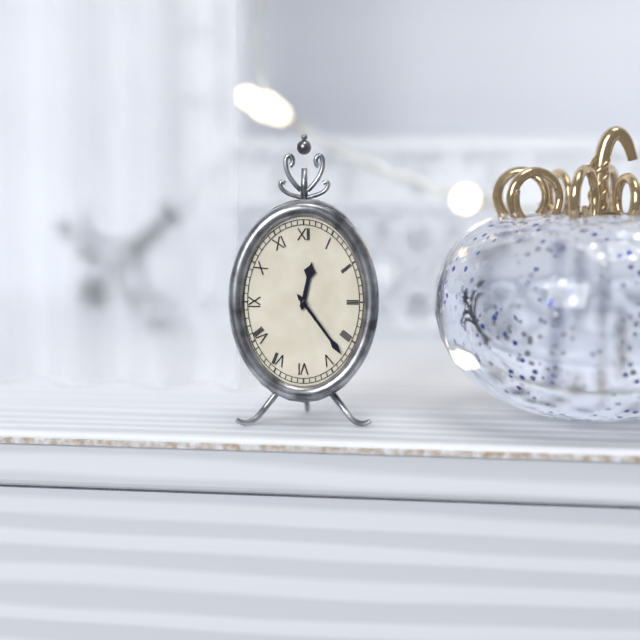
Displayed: 12 h 24 min
